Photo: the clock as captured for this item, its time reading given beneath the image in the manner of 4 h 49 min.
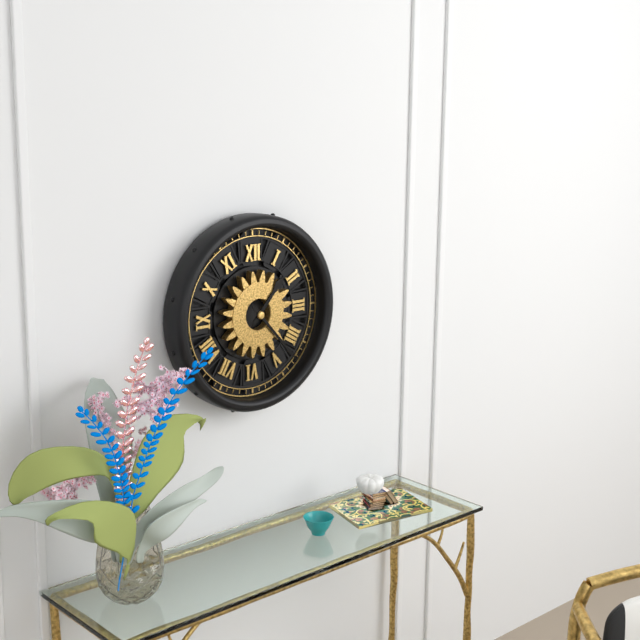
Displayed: 1 h 23 min
